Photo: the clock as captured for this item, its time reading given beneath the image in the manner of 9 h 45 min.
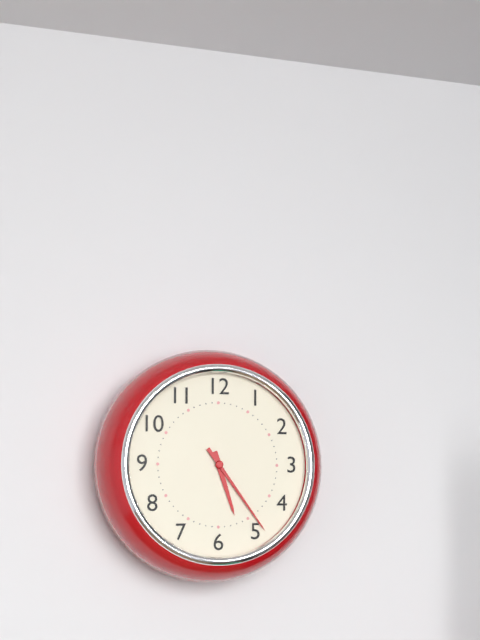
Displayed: 5 h 24 min
